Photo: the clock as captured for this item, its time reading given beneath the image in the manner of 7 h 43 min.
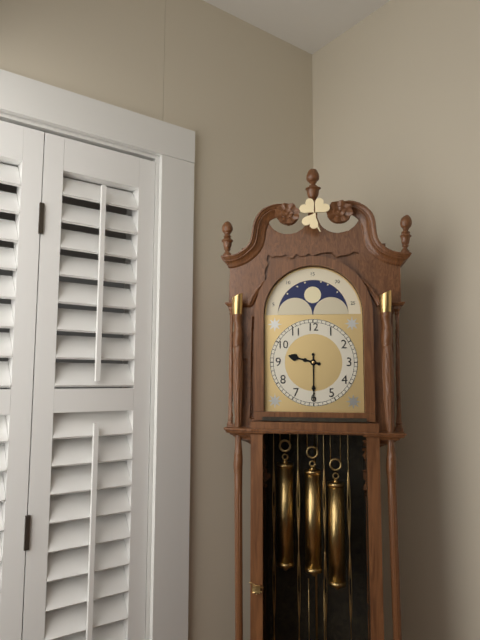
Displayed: 9 h 30 min
